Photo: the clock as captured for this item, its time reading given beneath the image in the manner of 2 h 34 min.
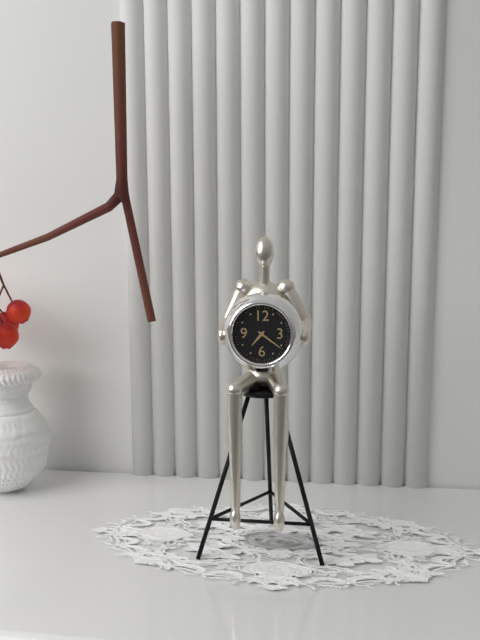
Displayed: 7 h 21 min
